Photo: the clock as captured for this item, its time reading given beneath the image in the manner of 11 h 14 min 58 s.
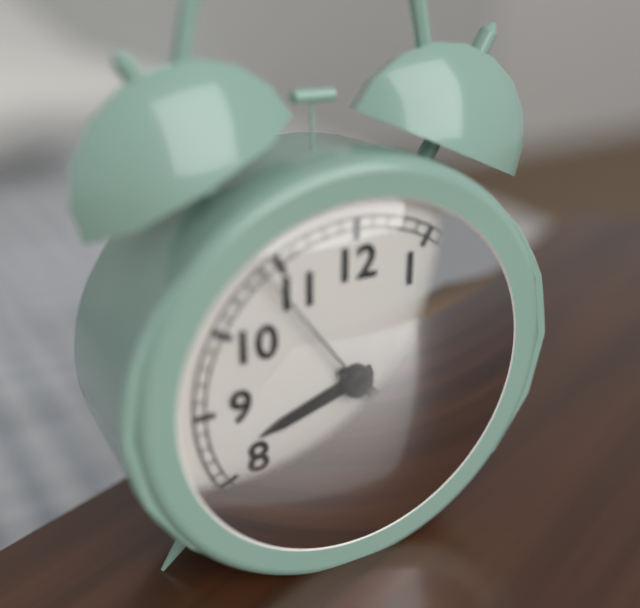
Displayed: 8 h 22 min 54 s
